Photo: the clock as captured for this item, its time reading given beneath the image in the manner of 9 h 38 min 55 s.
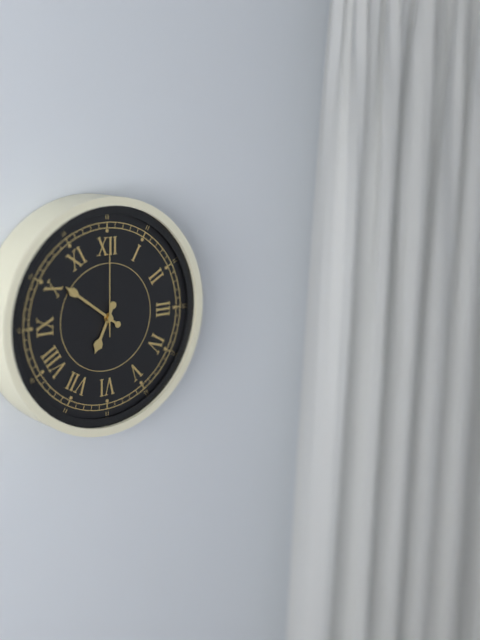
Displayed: 6 h 51 min 00 s
